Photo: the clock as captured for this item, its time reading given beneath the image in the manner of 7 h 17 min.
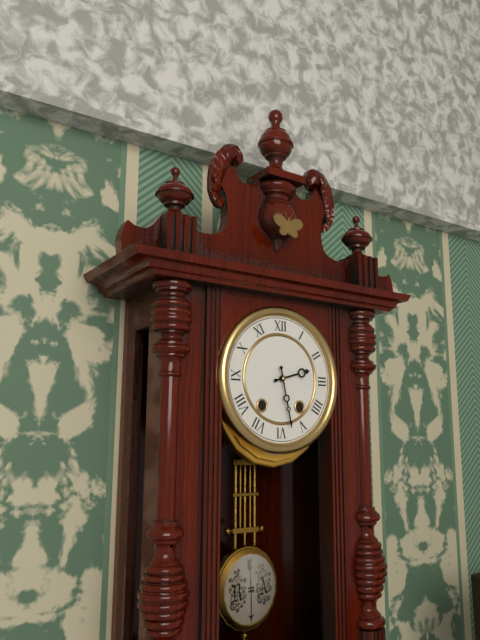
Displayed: 2 h 28 min
